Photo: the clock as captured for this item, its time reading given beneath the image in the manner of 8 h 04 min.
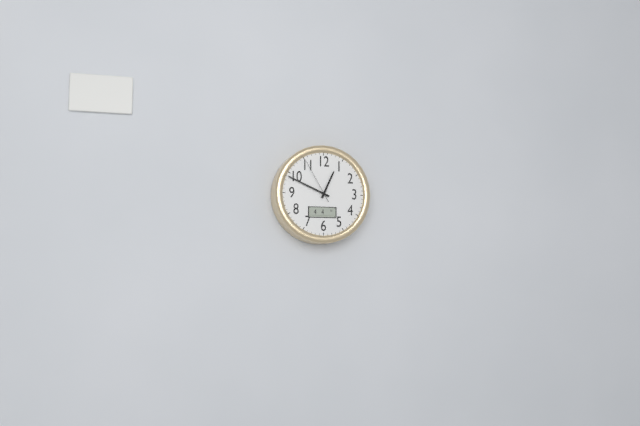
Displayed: 12 h 49 min
